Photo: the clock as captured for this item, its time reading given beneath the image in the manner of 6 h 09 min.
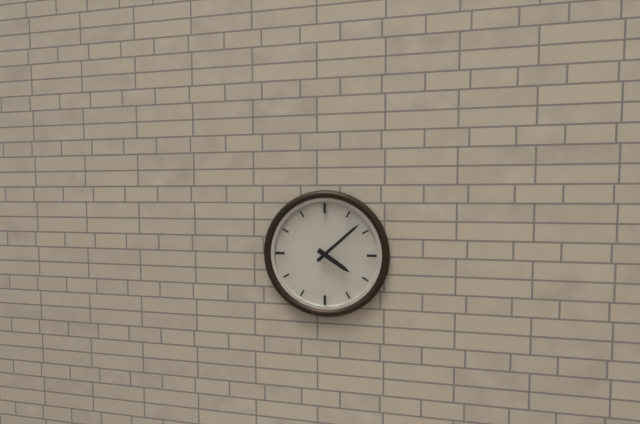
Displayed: 4 h 08 min
